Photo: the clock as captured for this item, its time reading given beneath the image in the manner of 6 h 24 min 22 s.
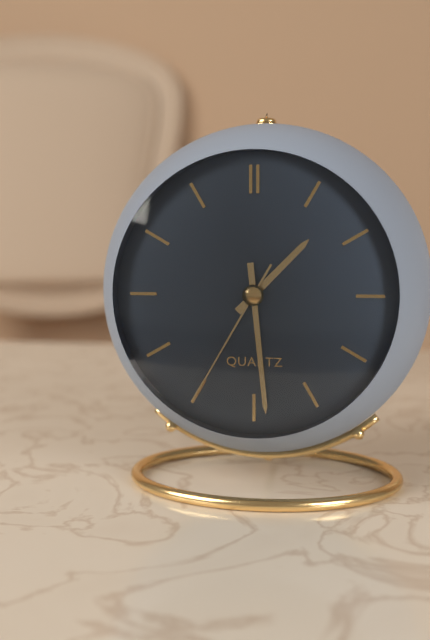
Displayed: 1 h 29 min 35 s
